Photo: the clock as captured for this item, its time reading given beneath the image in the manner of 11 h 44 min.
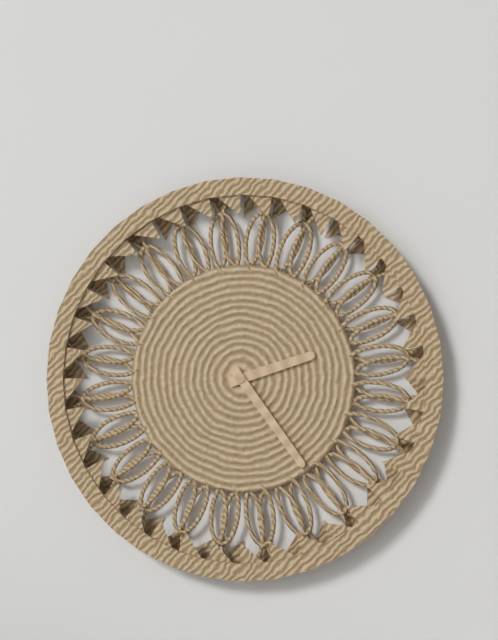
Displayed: 2 h 24 min
